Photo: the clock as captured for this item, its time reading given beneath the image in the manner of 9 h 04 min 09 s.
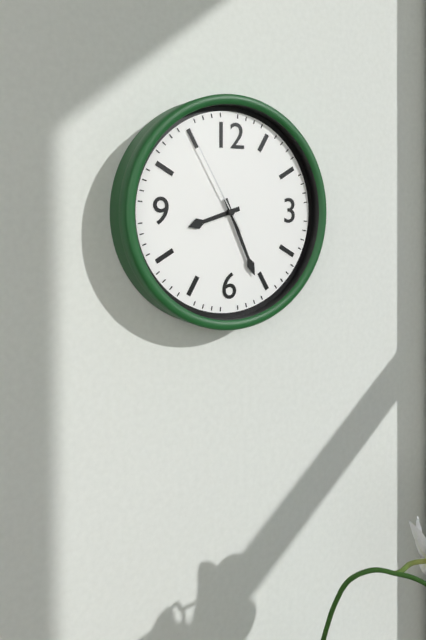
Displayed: 8 h 26 min 55 s
